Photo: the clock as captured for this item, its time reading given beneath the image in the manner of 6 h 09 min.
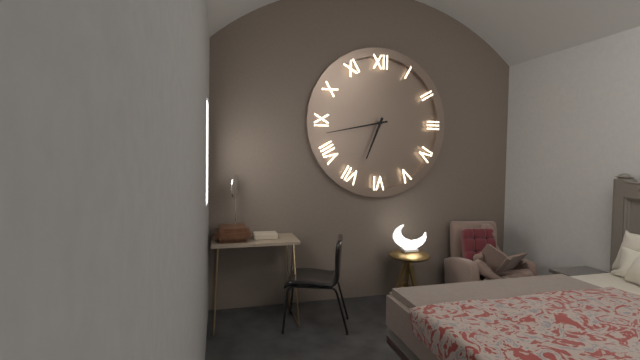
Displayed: 6 h 43 min
